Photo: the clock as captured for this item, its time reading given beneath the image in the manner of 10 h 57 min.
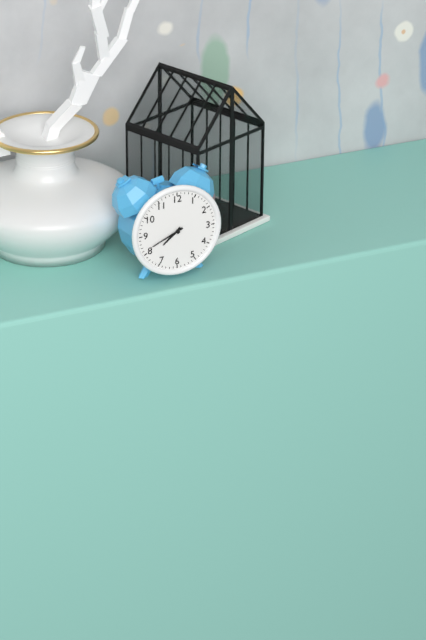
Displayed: 7 h 41 min
